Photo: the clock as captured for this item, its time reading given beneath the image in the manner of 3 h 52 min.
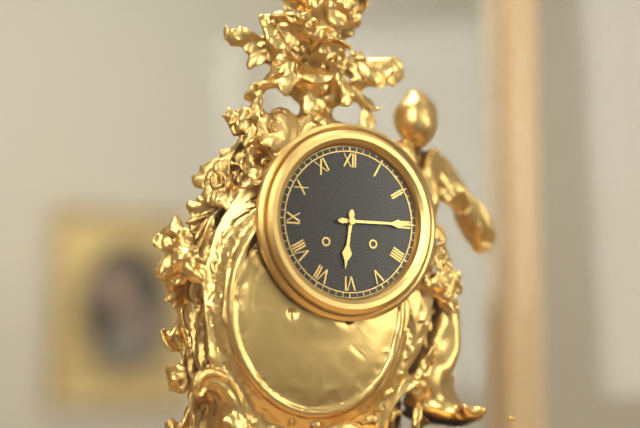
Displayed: 6 h 15 min
